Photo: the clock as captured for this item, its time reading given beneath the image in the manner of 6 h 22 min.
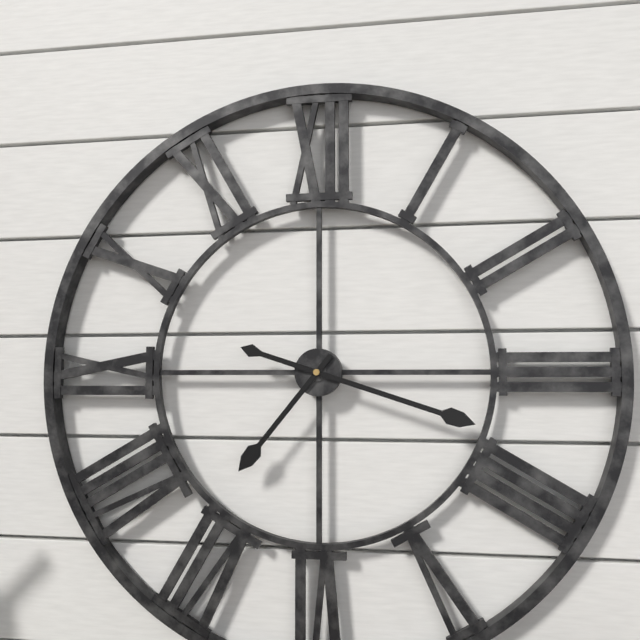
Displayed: 7 h 18 min
